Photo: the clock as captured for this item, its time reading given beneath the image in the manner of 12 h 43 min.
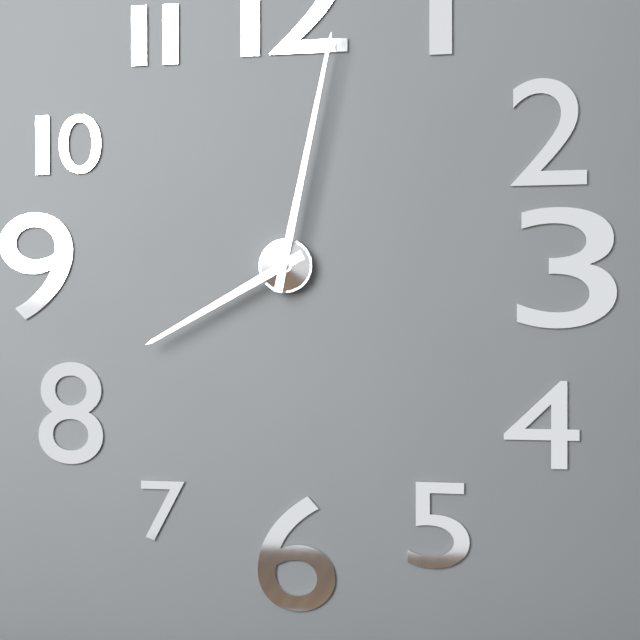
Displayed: 8 h 02 min
